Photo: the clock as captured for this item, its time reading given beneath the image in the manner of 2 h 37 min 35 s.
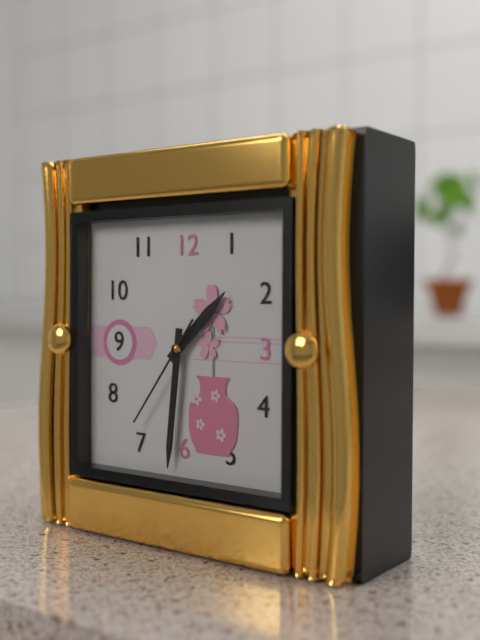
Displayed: 1 h 31 min 36 s
